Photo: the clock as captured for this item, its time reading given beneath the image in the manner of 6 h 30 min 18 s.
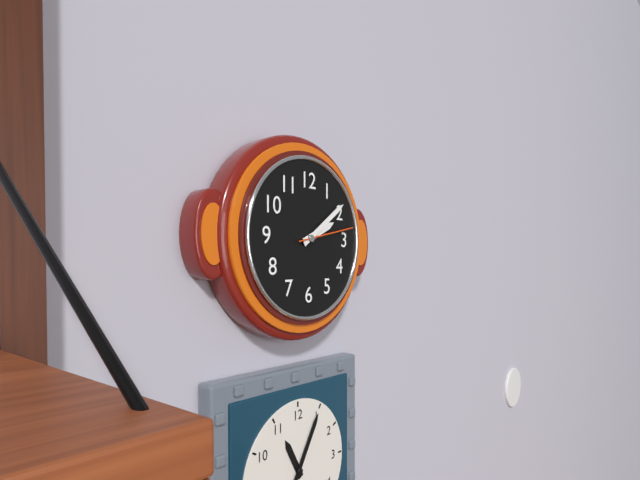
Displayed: 2 h 09 min 13 s
